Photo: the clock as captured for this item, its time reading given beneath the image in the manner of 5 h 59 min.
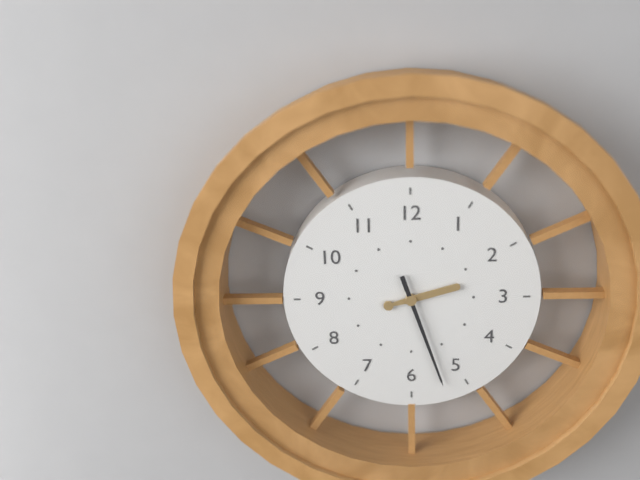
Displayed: 2 h 27 min
